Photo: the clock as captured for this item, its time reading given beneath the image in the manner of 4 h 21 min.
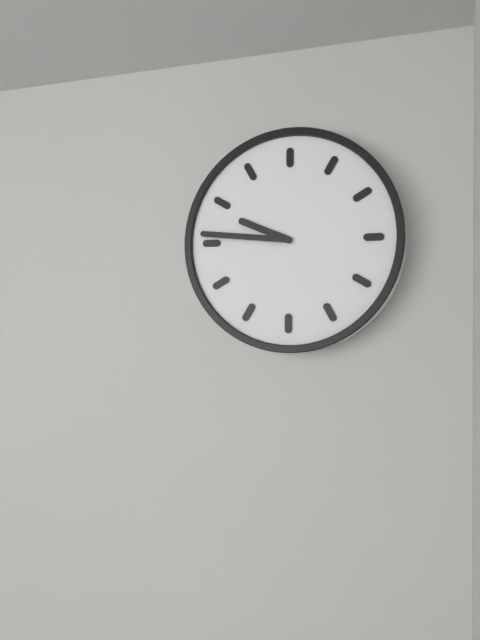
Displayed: 9 h 46 min
